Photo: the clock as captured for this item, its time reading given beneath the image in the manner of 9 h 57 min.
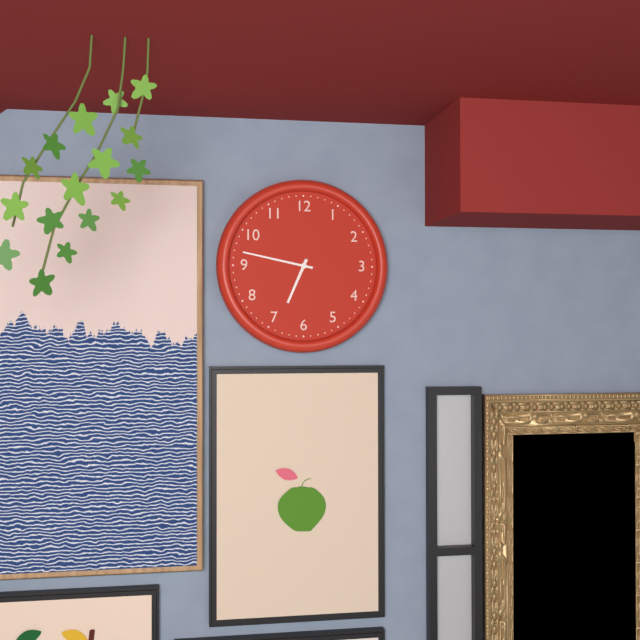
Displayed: 6 h 47 min
